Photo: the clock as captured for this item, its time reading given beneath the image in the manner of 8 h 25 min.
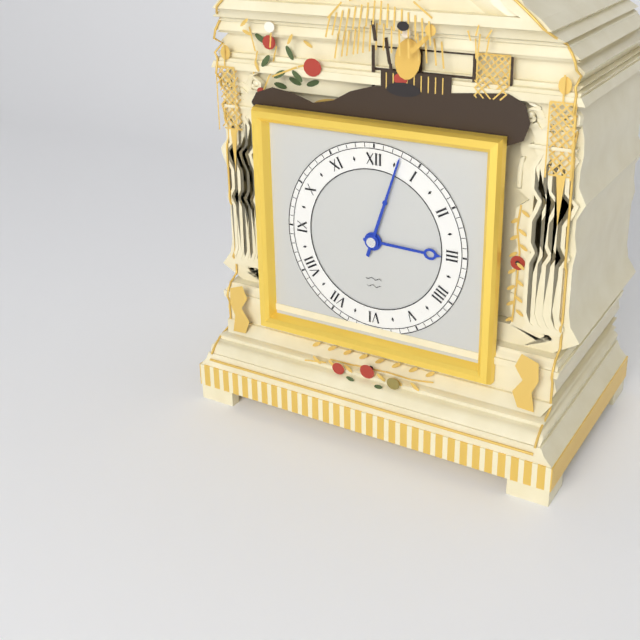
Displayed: 3 h 03 min
